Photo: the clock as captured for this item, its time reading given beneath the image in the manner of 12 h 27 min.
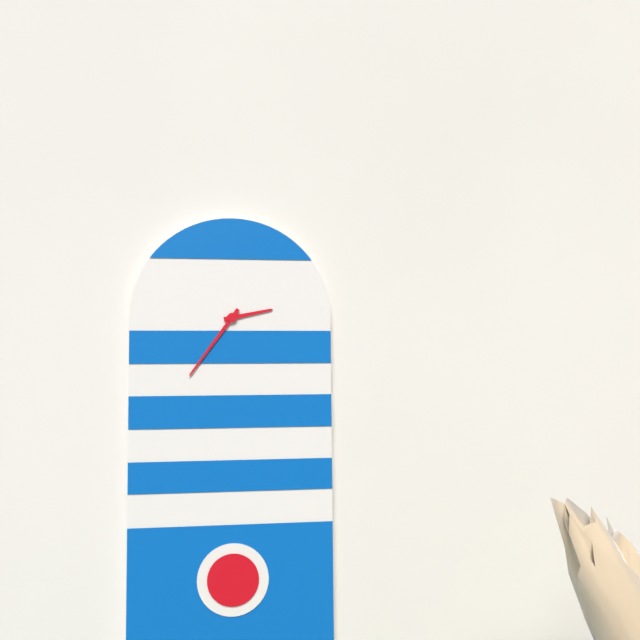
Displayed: 2 h 36 min
